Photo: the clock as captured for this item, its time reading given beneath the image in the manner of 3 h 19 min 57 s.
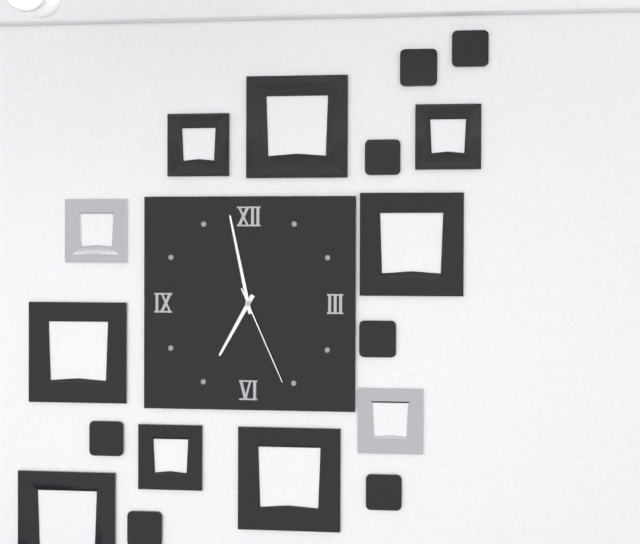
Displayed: 6 h 58 min 26 s
